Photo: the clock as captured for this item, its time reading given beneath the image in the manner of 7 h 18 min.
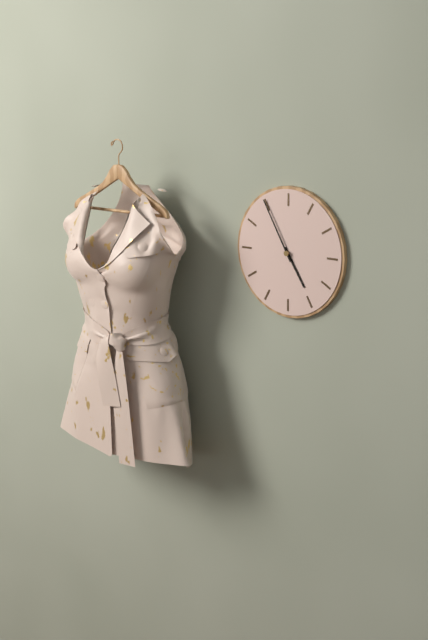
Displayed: 4 h 55 min
